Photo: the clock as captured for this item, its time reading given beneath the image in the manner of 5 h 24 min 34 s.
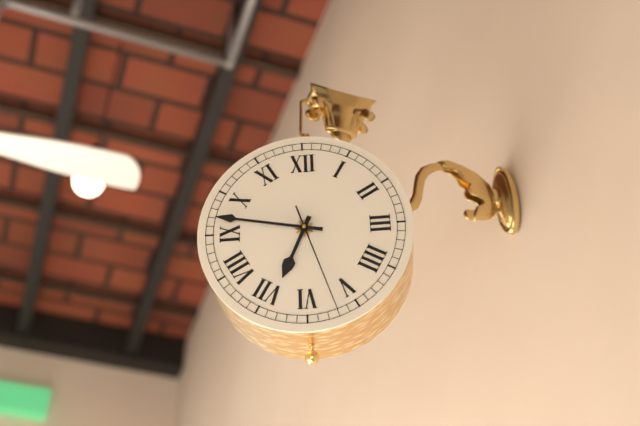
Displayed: 6 h 47 min 27 s
